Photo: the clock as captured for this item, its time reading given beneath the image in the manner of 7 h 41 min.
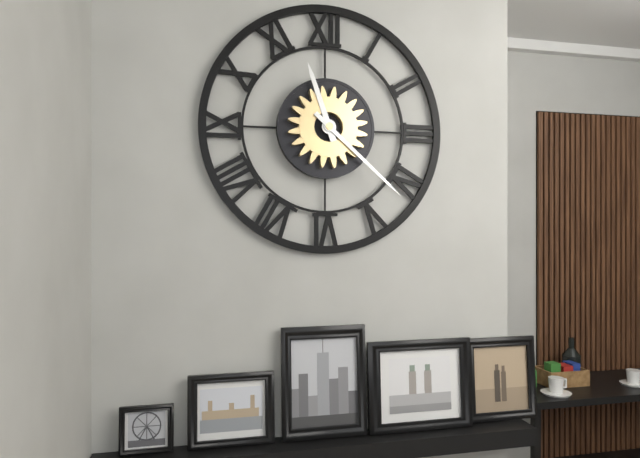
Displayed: 11 h 22 min
